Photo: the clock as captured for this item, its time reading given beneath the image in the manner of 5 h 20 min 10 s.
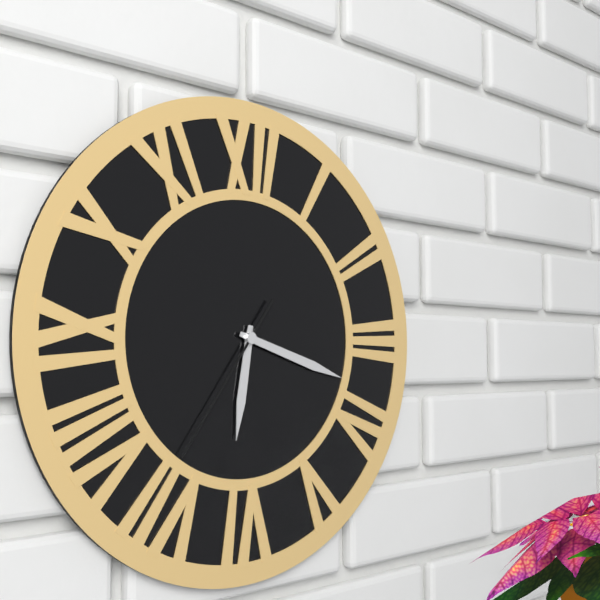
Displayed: 6 h 18 min 36 s
